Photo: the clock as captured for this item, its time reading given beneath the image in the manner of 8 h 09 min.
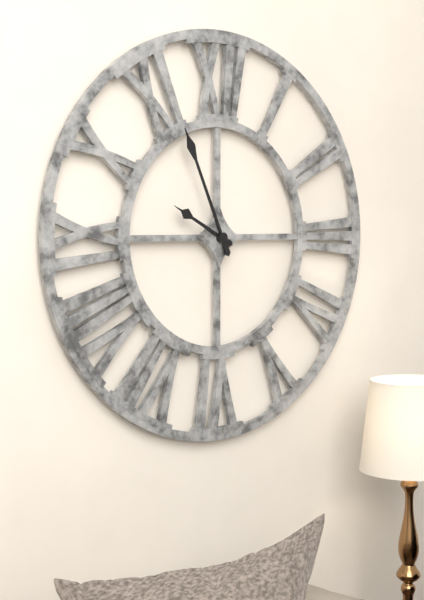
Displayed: 9 h 56 min
